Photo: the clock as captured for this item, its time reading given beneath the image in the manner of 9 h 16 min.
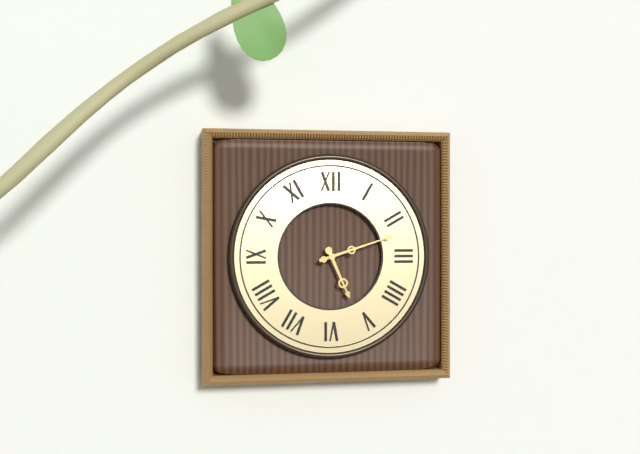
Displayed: 5 h 12 min
